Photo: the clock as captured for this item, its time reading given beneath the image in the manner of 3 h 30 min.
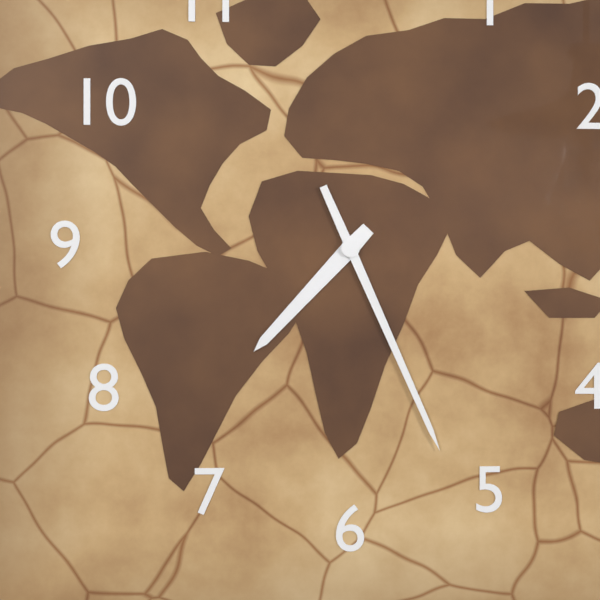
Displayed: 7 h 26 min
